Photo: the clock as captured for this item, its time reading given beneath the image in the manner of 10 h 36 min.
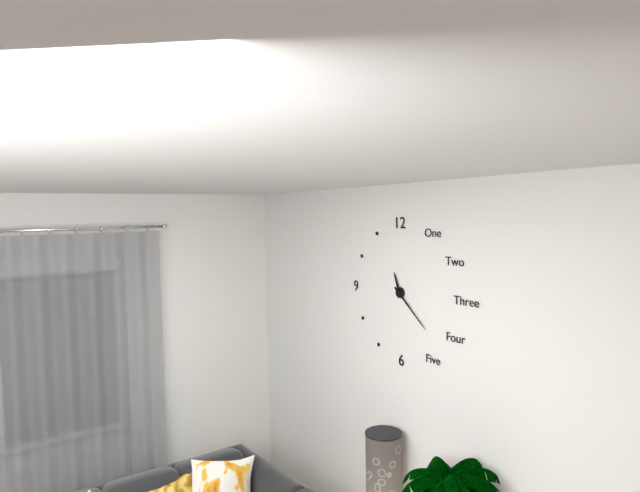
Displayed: 11 h 22 min
